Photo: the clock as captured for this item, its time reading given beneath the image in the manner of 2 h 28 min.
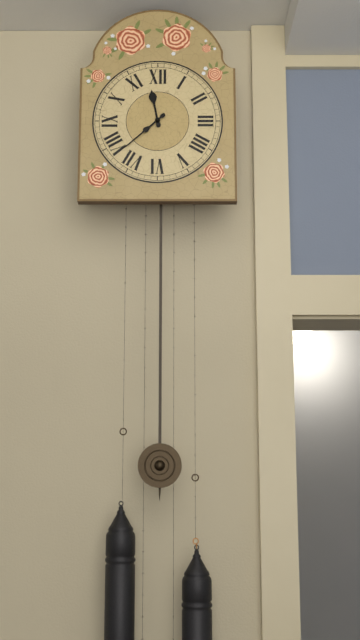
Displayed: 11 h 38 min
